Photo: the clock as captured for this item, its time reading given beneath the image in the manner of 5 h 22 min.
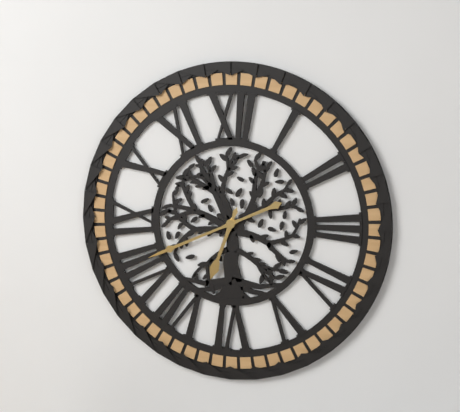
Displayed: 6 h 41 min
